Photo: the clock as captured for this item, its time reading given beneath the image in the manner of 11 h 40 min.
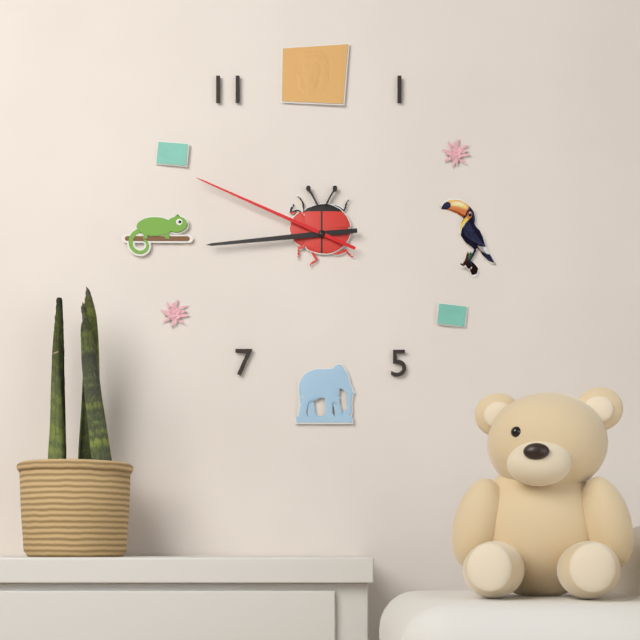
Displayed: 8 h 49 min
